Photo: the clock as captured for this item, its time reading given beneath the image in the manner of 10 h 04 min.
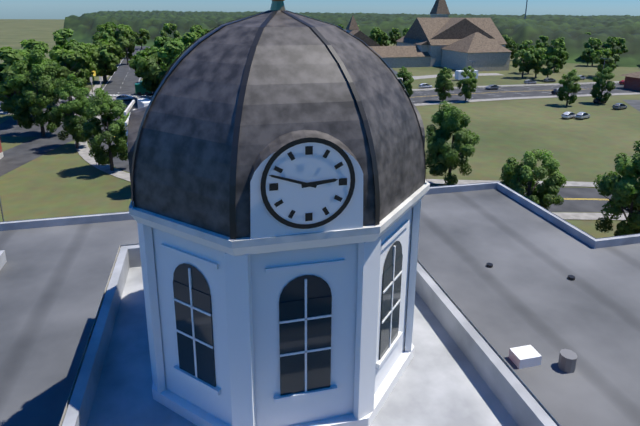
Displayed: 2 h 48 min
